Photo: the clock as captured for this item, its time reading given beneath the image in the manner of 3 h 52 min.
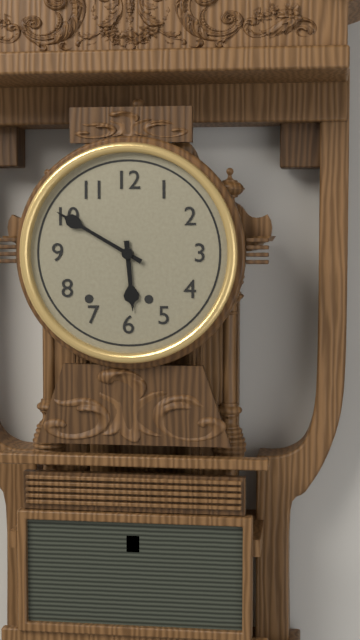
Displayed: 5 h 50 min
